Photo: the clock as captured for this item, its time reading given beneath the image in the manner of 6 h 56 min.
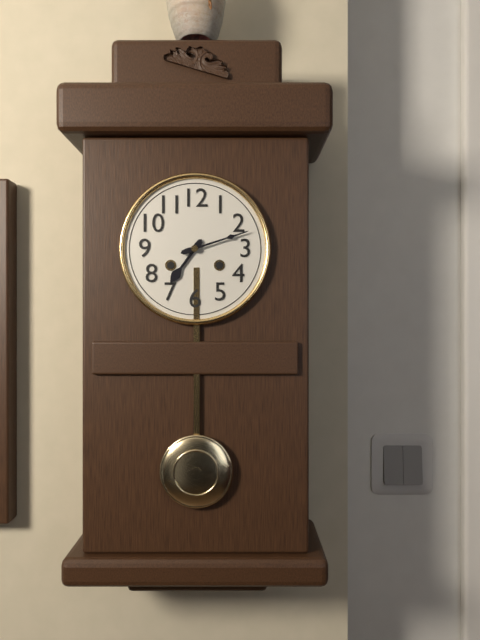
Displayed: 7 h 12 min
